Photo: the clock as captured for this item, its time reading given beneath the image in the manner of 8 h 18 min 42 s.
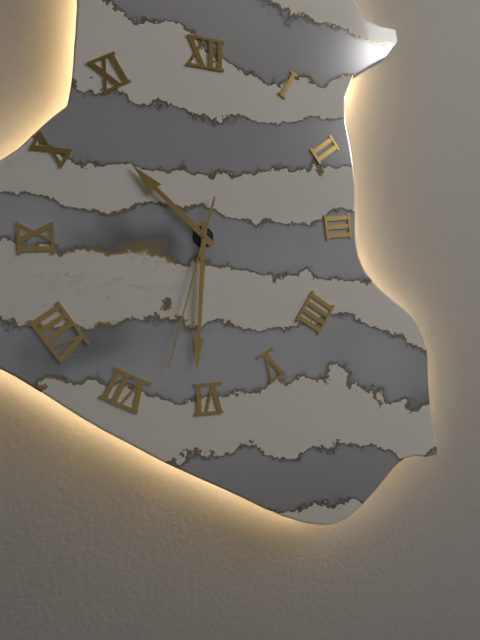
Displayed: 10 h 31 min 33 s
